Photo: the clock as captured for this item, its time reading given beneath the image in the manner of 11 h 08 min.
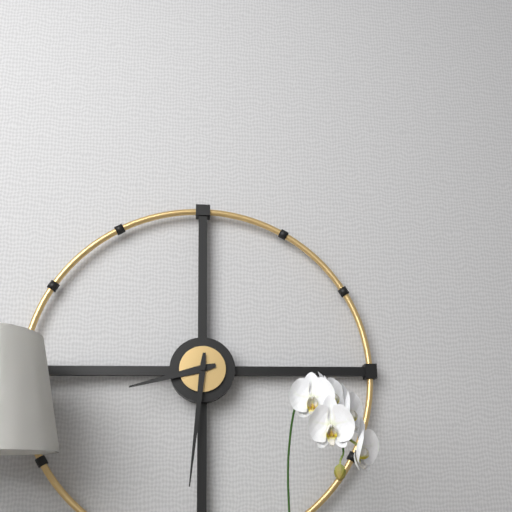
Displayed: 8 h 31 min
